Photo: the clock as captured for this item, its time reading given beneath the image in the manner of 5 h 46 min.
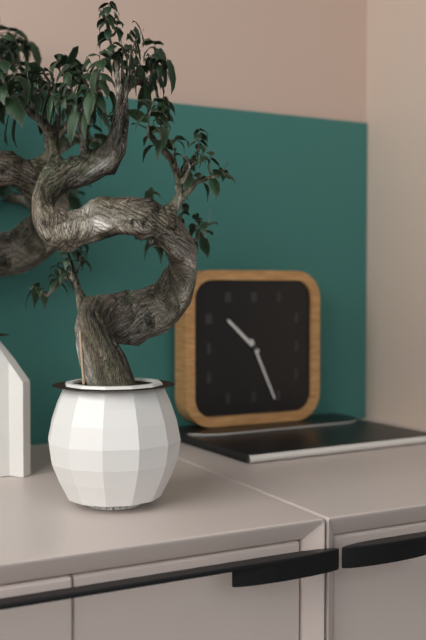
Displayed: 10 h 26 min
